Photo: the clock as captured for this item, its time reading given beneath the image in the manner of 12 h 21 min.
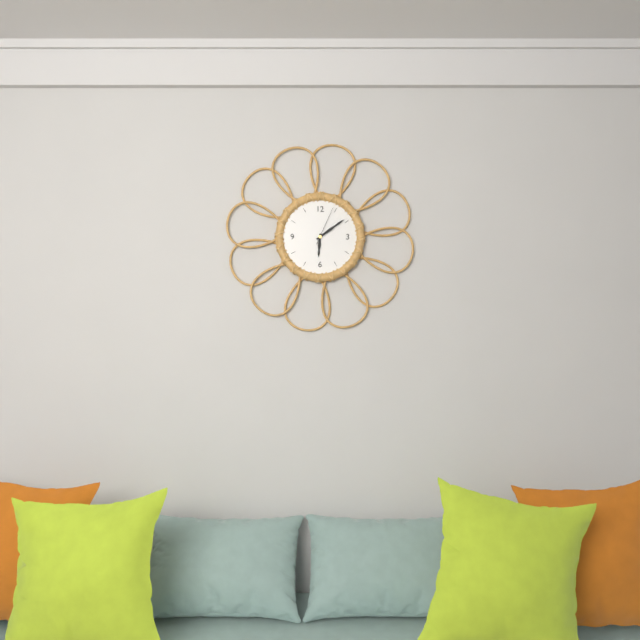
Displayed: 6 h 09 min
